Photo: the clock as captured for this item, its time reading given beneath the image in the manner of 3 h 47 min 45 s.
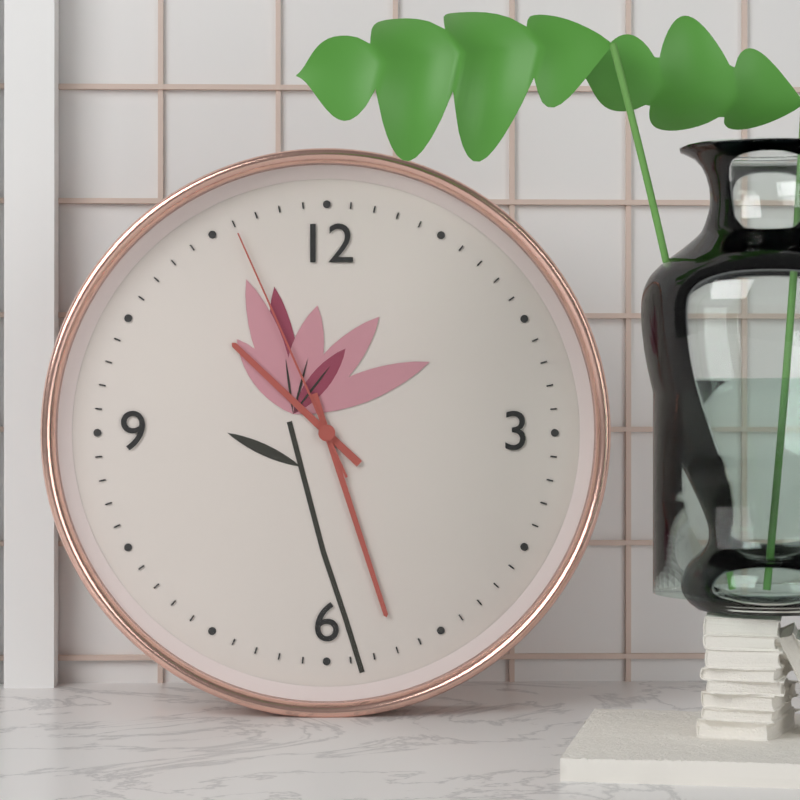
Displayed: 10 h 27 min 56 s
